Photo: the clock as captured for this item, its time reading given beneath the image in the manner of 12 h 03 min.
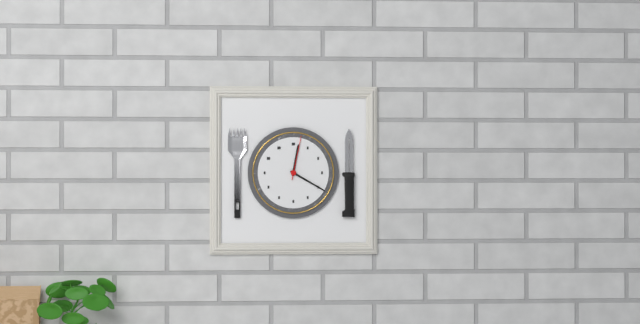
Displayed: 12 h 20 min
